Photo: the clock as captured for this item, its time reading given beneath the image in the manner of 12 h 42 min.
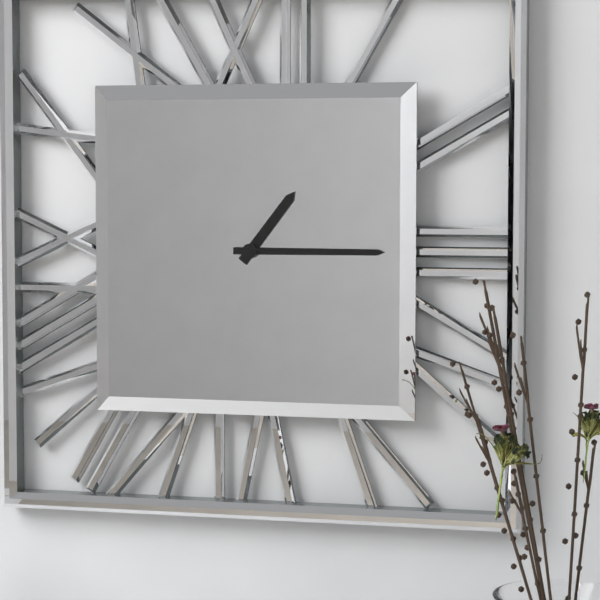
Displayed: 1 h 15 min
